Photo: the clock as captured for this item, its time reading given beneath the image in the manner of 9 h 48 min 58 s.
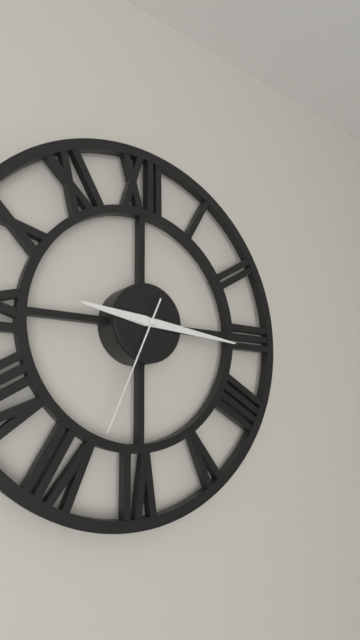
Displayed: 9 h 16 min 34 s
